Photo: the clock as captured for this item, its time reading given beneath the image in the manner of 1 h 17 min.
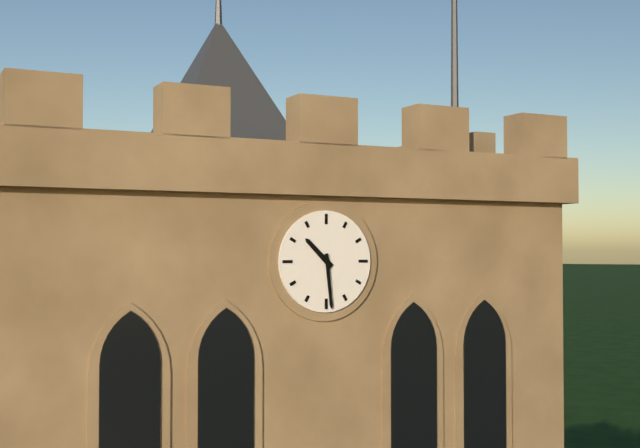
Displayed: 10 h 29 min
